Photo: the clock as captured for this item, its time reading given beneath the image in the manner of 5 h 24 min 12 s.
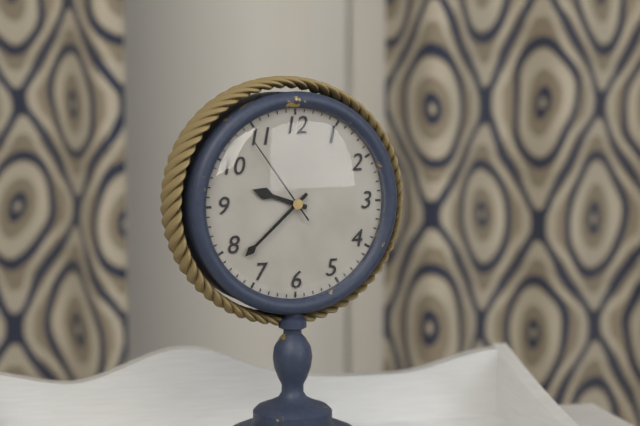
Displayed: 9 h 38 min 54 s
